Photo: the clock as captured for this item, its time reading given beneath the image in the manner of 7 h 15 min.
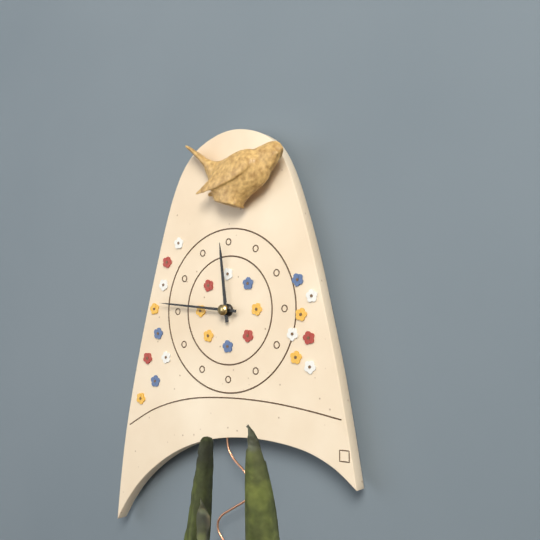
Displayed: 11 h 46 min
